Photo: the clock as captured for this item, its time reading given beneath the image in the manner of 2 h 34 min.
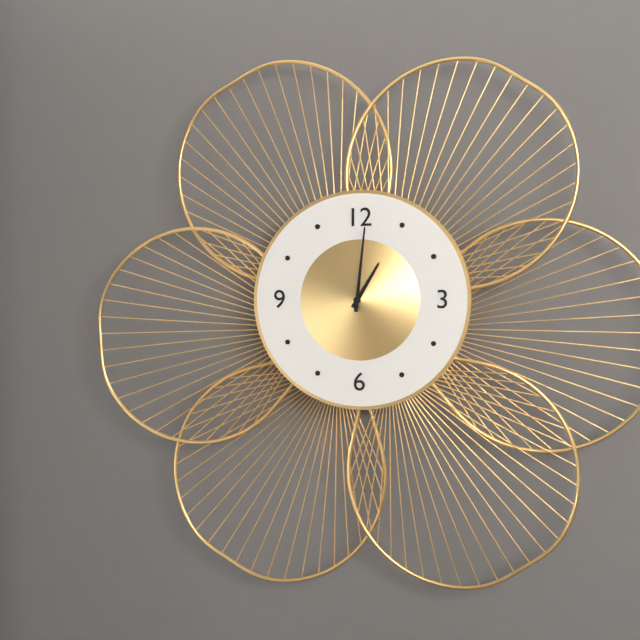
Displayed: 1 h 01 min
